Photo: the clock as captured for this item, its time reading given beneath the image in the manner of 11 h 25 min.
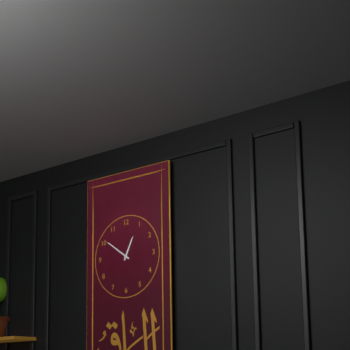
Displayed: 12 h 51 min
